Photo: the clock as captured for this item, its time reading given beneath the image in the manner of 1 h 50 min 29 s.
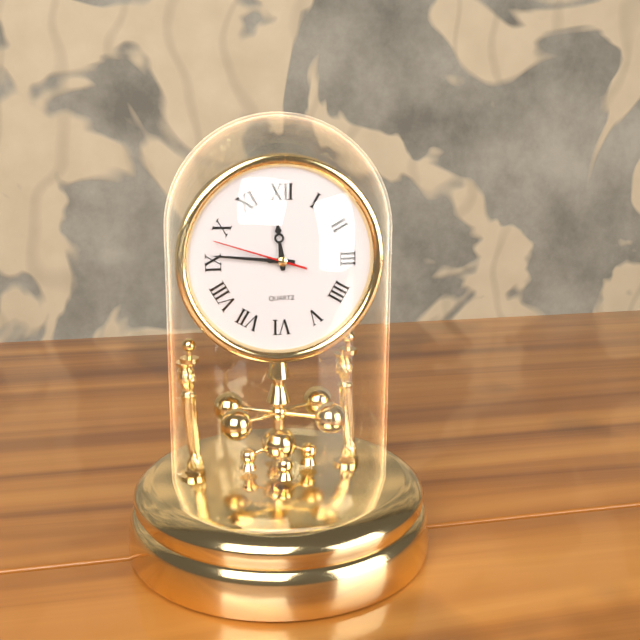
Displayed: 11 h 46 min 48 s
